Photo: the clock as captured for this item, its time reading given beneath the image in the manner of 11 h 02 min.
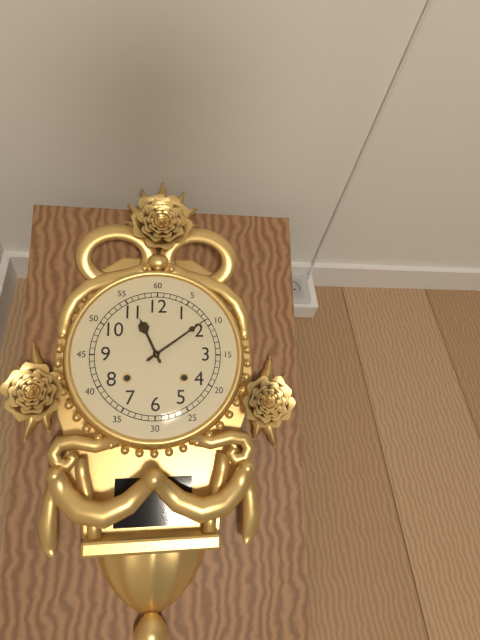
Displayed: 11 h 09 min
